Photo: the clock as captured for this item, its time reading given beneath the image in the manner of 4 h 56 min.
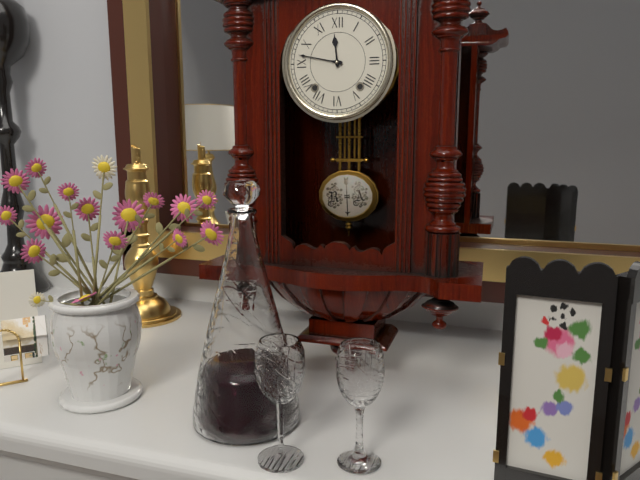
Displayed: 11 h 47 min
